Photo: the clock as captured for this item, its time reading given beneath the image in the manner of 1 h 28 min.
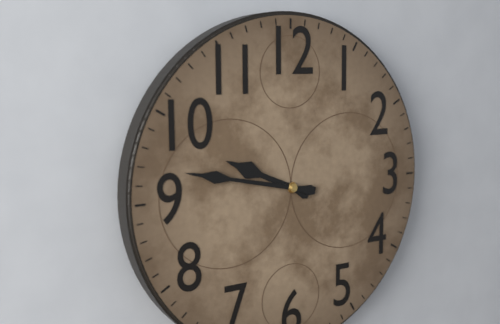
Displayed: 9 h 47 min
